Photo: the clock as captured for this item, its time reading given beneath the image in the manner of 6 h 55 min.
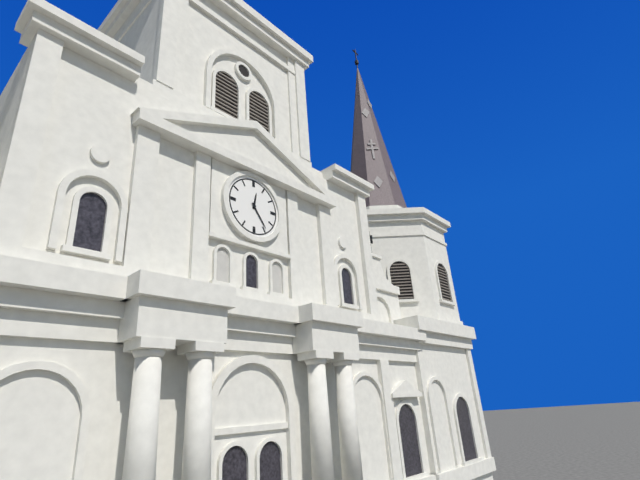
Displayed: 12 h 24 min
